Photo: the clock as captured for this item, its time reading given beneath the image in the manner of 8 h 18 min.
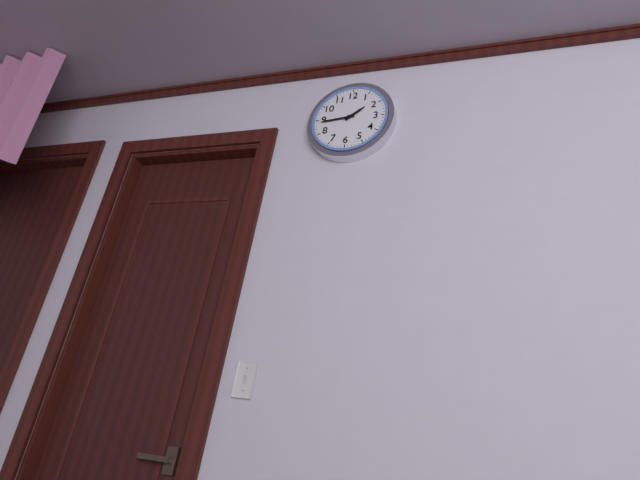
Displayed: 1 h 44 min
